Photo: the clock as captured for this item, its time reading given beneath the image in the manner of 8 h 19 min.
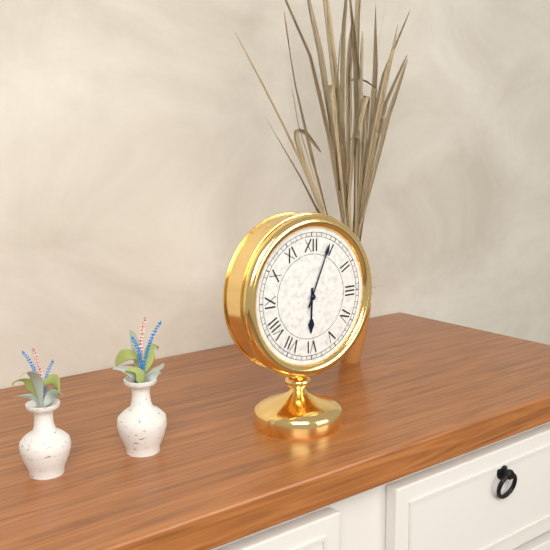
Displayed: 6 h 04 min
